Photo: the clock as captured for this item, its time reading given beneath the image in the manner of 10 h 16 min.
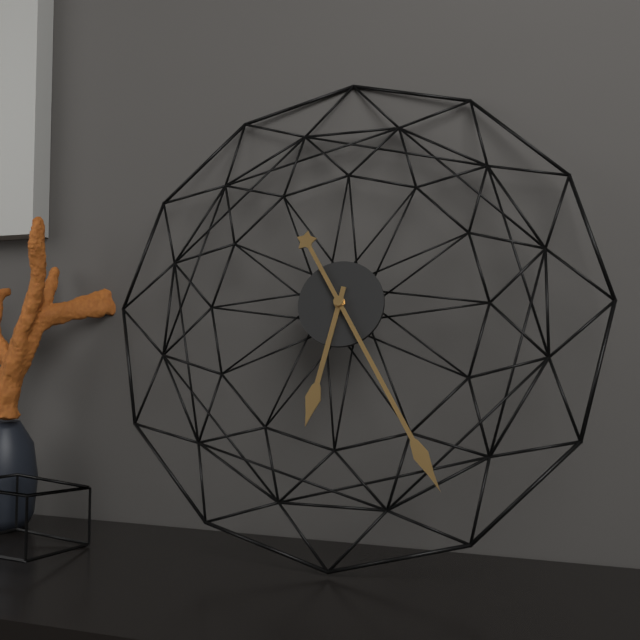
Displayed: 6 h 25 min
